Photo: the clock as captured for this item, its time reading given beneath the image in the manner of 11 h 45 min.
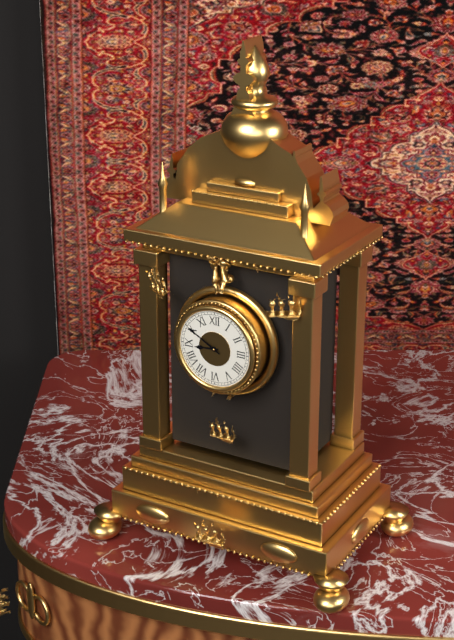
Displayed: 8 h 50 min
